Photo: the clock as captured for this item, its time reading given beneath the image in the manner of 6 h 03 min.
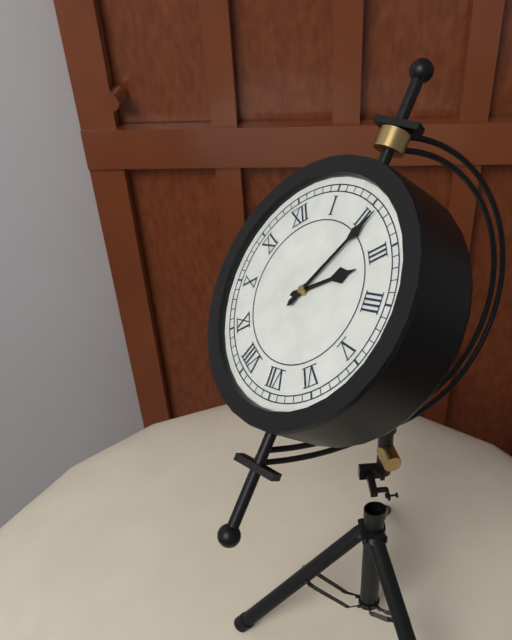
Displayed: 3 h 11 min
